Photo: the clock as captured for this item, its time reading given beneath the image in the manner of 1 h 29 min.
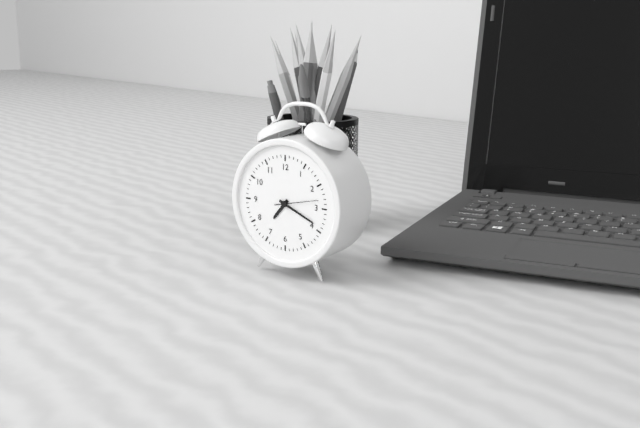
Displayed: 7 h 19 min
